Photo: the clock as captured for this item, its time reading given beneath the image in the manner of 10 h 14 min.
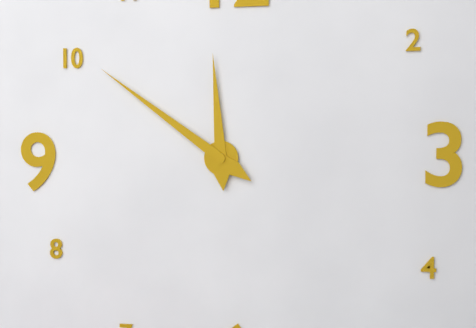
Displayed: 11 h 51 min
